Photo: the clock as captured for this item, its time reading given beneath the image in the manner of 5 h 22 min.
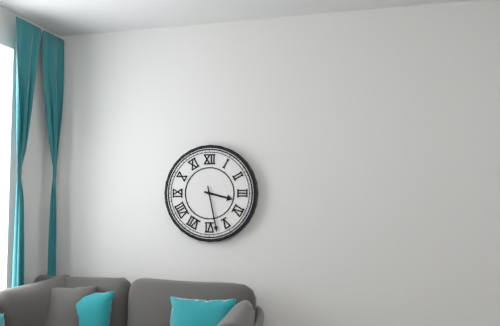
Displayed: 3 h 28 min
